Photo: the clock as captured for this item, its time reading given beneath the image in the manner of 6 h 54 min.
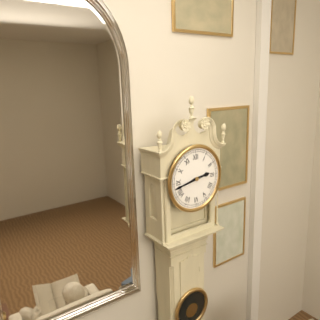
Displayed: 2 h 43 min
